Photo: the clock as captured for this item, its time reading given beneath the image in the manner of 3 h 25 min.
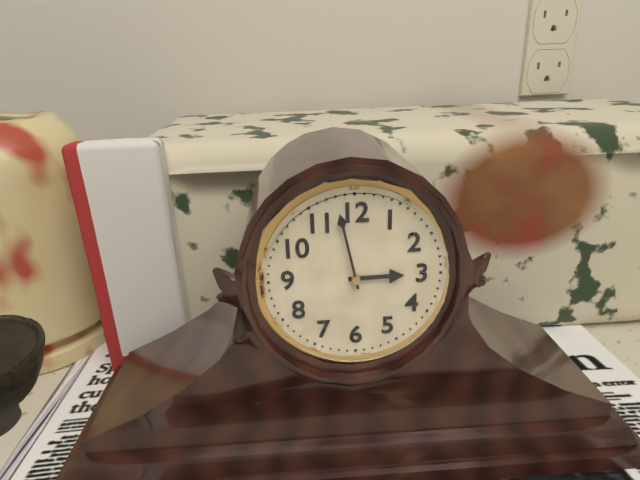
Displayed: 2 h 58 min
